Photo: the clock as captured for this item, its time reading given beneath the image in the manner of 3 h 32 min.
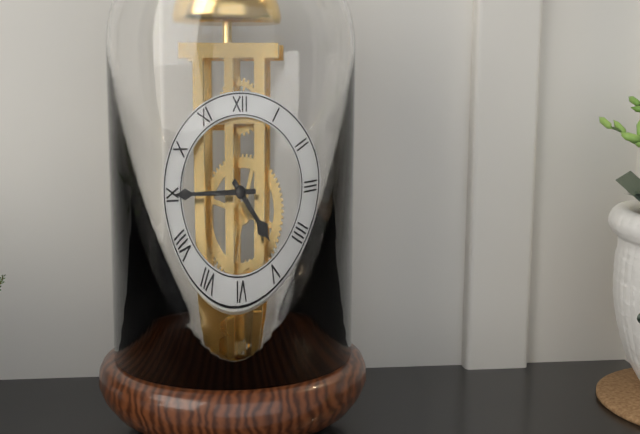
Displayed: 4 h 45 min
